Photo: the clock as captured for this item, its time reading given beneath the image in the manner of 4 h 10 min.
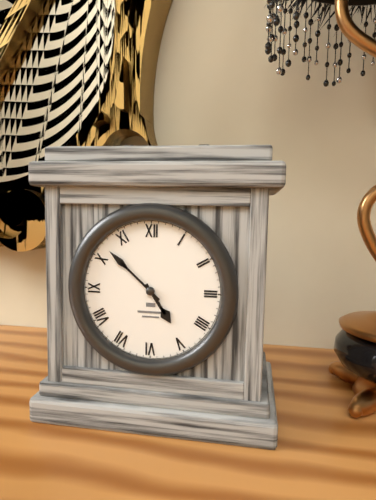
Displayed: 4 h 52 min
